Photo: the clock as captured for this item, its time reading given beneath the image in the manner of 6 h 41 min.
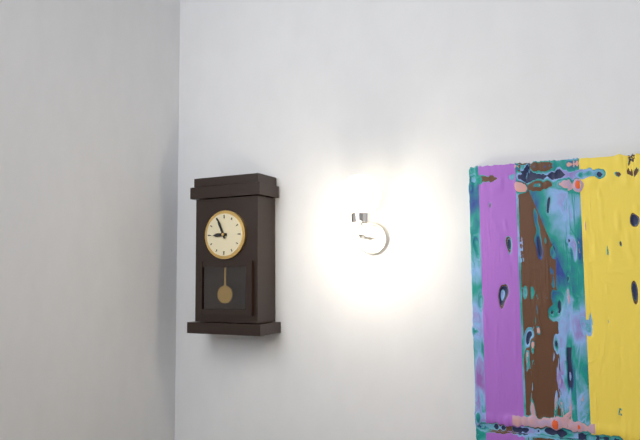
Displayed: 8 h 56 min
